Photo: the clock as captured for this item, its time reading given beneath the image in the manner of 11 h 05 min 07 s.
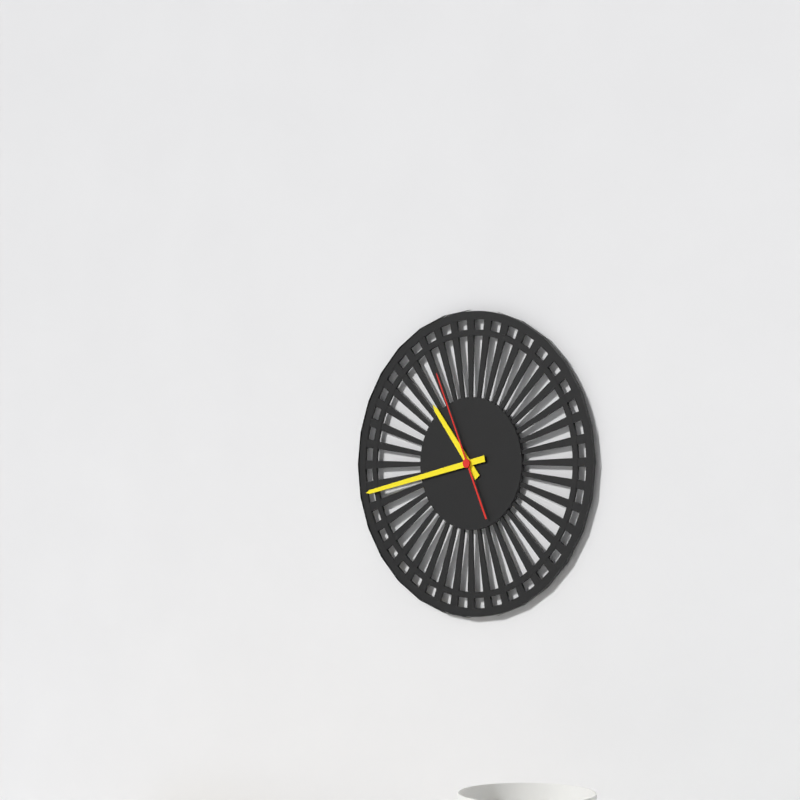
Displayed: 10 h 43 min 56 s
